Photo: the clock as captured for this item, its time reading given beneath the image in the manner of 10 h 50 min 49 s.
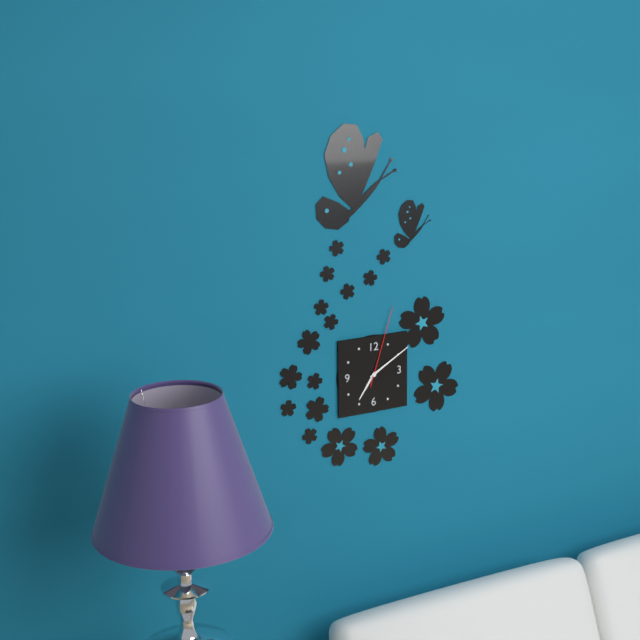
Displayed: 7 h 10 min 03 s
